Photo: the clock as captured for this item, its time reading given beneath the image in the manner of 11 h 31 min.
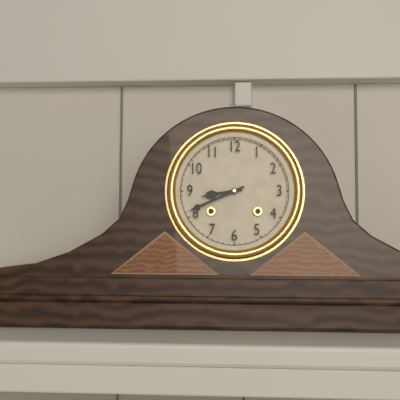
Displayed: 8 h 41 min
